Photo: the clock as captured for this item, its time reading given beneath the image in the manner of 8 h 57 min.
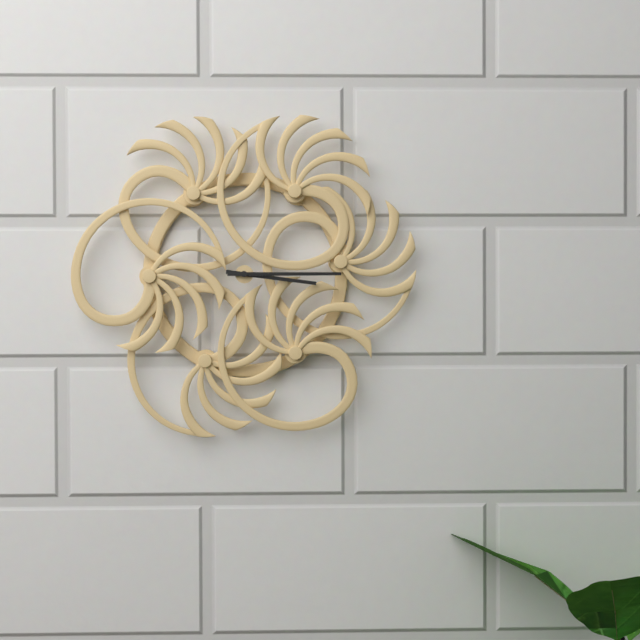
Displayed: 3 h 15 min
